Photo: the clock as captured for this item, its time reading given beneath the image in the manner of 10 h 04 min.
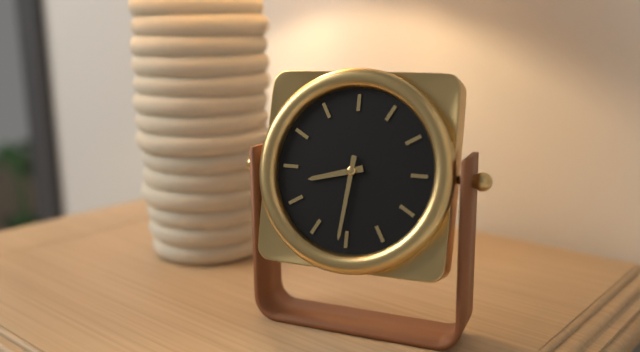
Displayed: 8 h 31 min
